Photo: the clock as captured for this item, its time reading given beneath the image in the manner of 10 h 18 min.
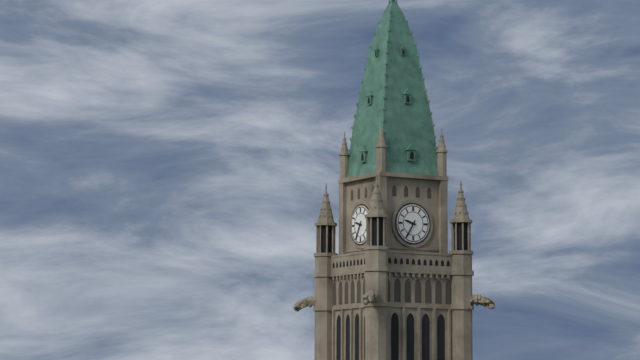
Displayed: 9 h 35 min
